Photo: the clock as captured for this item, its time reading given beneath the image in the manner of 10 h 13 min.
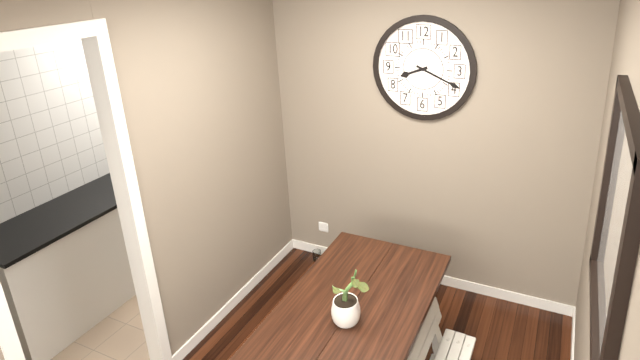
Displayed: 8 h 19 min
